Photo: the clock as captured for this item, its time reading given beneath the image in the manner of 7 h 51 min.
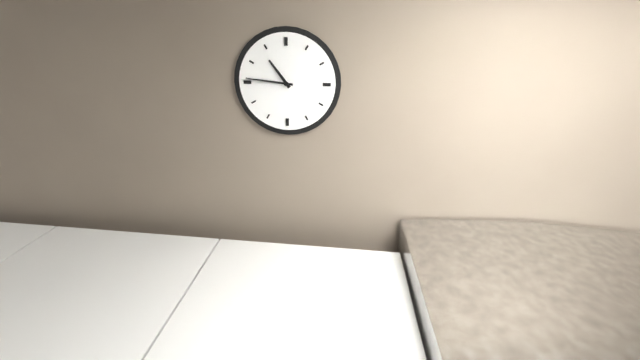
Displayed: 10 h 46 min
